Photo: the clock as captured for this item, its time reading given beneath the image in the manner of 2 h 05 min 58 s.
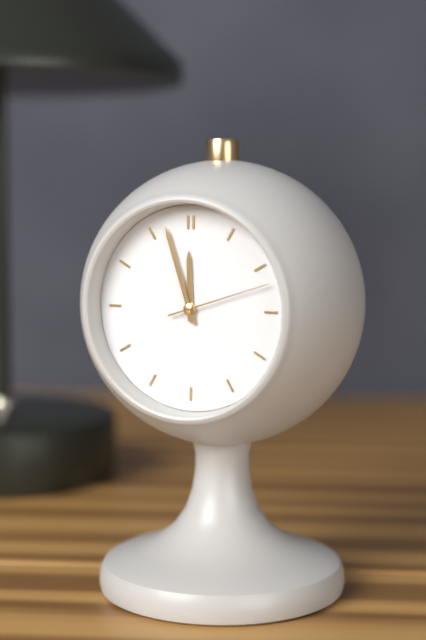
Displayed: 11 h 57 min 12 s
